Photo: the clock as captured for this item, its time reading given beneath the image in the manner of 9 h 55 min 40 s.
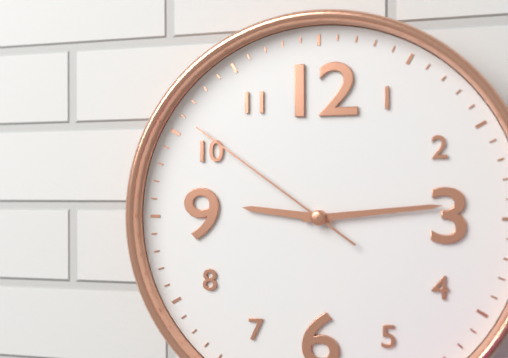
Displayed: 9 h 14 min 51 s
